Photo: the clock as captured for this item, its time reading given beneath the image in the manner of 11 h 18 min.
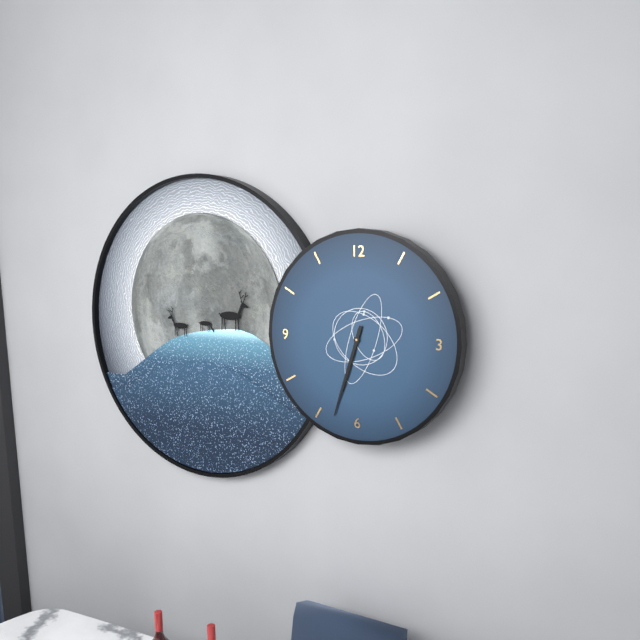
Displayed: 6 h 33 min
